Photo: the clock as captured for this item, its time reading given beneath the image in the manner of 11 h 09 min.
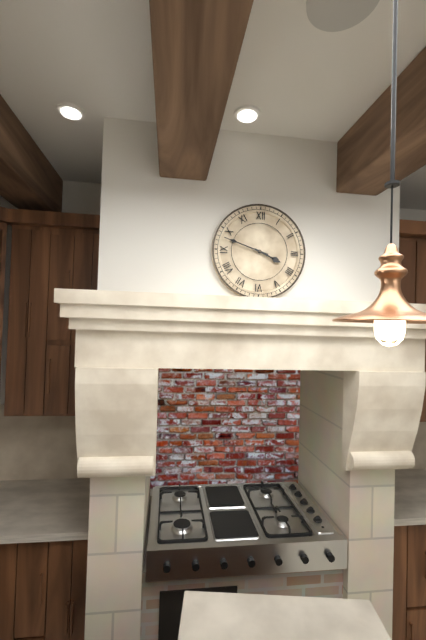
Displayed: 3 h 48 min
